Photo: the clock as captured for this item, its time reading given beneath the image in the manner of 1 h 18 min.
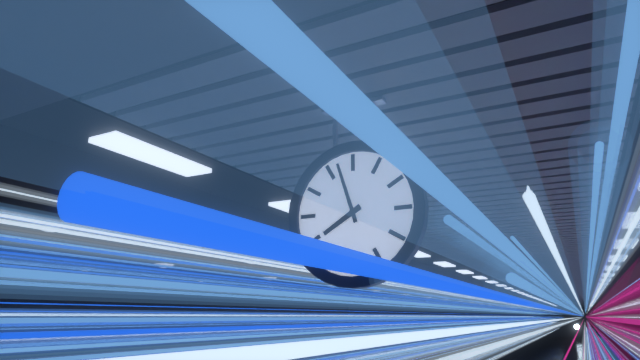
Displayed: 7 h 57 min
